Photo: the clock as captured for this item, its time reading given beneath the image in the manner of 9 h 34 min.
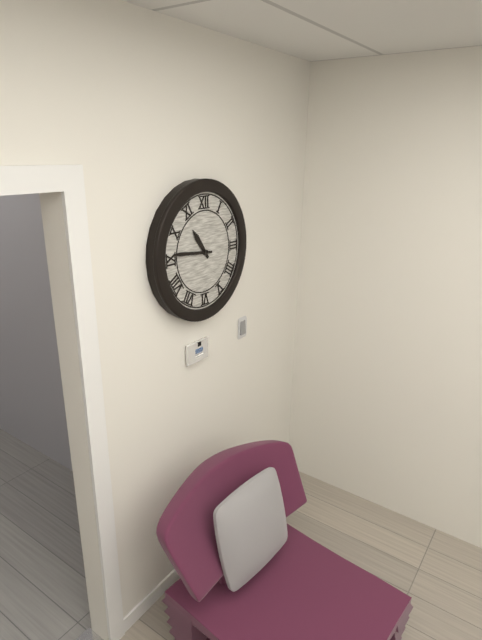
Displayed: 10 h 46 min
